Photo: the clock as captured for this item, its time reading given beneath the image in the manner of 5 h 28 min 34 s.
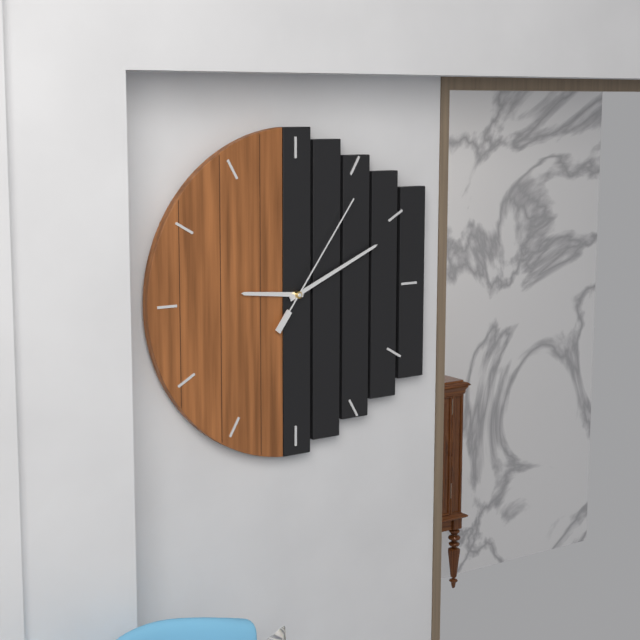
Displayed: 9 h 11 min 06 s
